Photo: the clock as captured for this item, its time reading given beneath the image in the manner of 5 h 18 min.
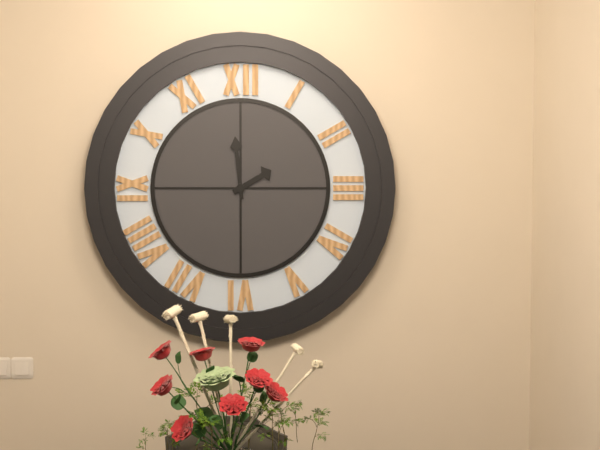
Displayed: 1 h 59 min
